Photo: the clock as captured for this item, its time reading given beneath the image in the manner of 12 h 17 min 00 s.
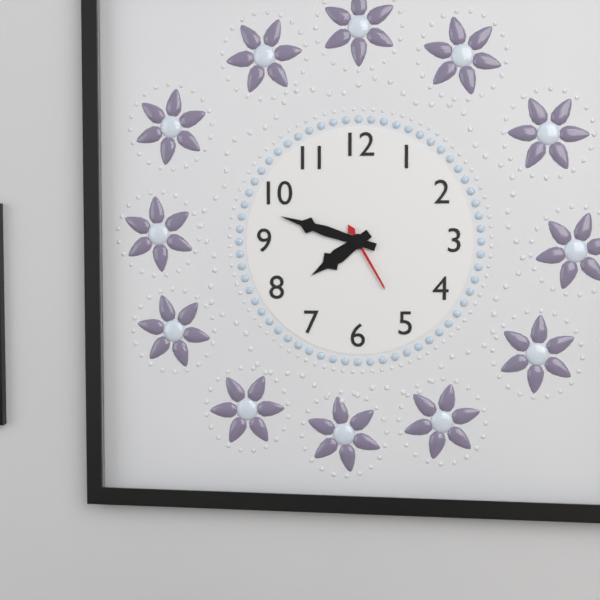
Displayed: 7 h 48 min 25 s
